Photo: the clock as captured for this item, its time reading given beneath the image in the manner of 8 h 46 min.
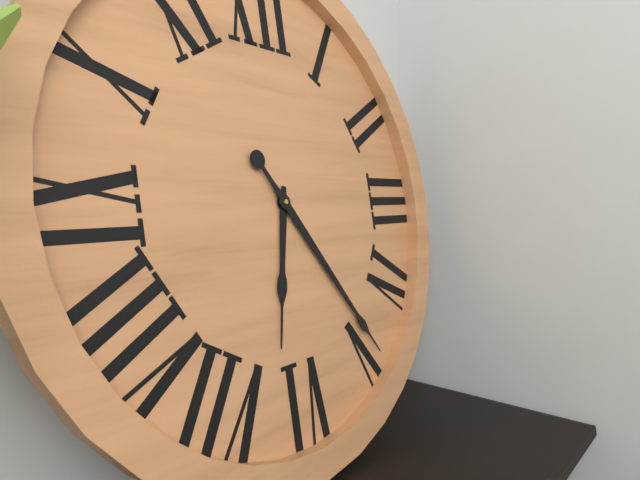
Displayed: 6 h 24 min
